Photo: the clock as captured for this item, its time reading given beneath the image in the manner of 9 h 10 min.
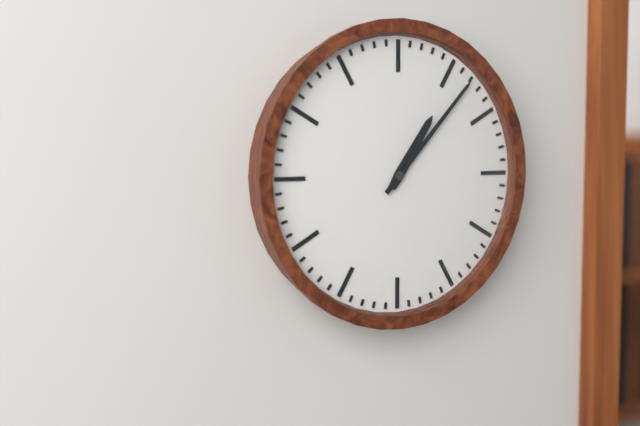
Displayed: 1 h 07 min
